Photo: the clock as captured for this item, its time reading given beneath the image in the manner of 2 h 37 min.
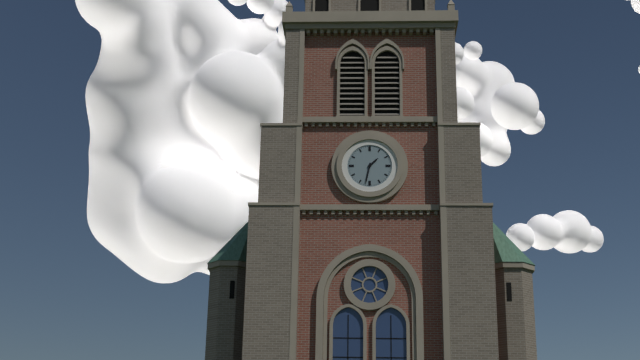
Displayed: 1 h 32 min
